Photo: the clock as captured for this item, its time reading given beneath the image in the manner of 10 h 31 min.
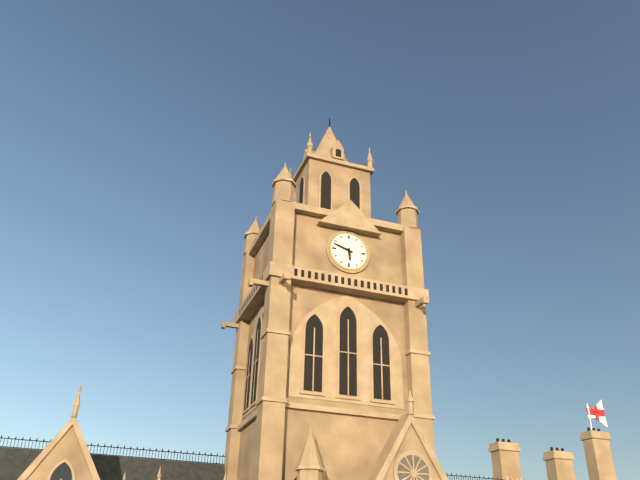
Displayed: 5 h 48 min
